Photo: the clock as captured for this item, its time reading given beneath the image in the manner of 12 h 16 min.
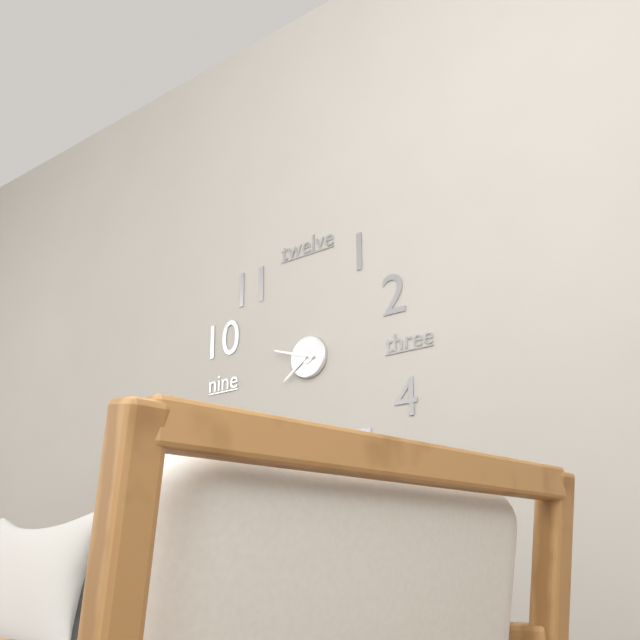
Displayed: 7 h 48 min
